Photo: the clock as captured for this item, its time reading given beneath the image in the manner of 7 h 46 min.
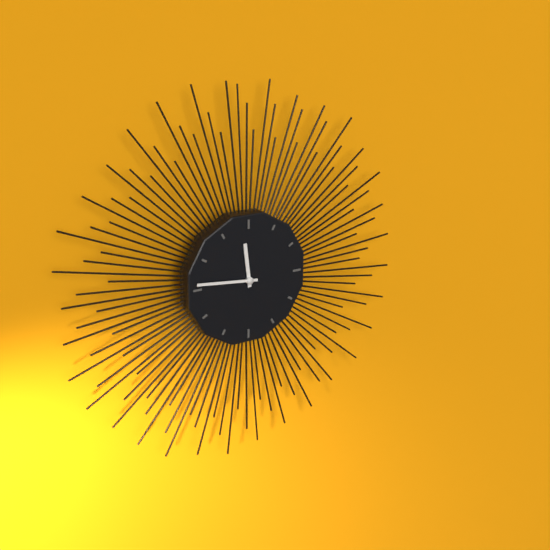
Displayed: 11 h 46 min
